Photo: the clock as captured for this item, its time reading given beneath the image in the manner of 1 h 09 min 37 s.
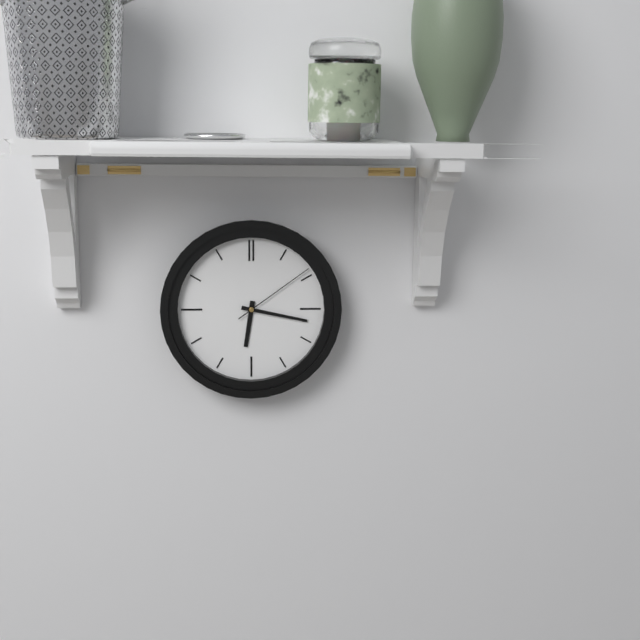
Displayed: 6 h 17 min 09 s
